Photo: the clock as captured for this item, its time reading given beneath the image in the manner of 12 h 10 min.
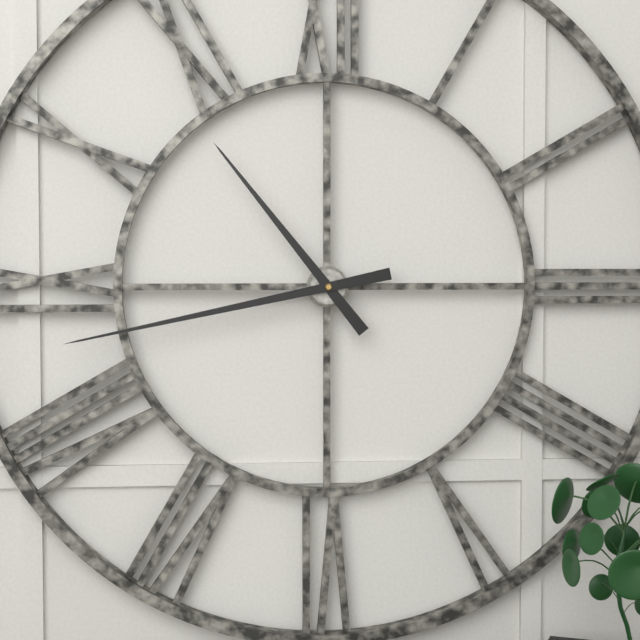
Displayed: 10 h 43 min
